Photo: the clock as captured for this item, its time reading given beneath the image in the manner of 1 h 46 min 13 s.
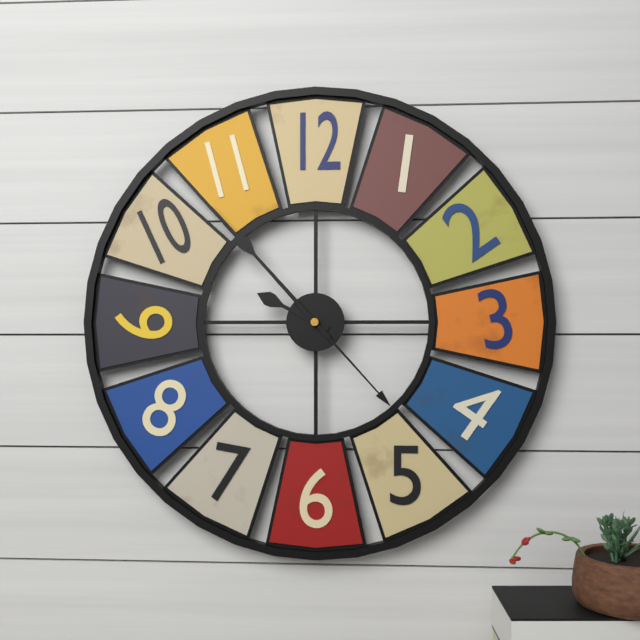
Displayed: 9 h 53 min 23 s
